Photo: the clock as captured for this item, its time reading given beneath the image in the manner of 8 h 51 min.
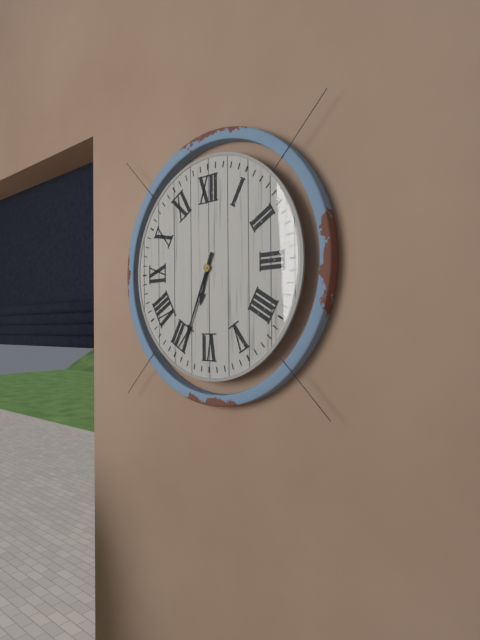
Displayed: 6 h 34 min
